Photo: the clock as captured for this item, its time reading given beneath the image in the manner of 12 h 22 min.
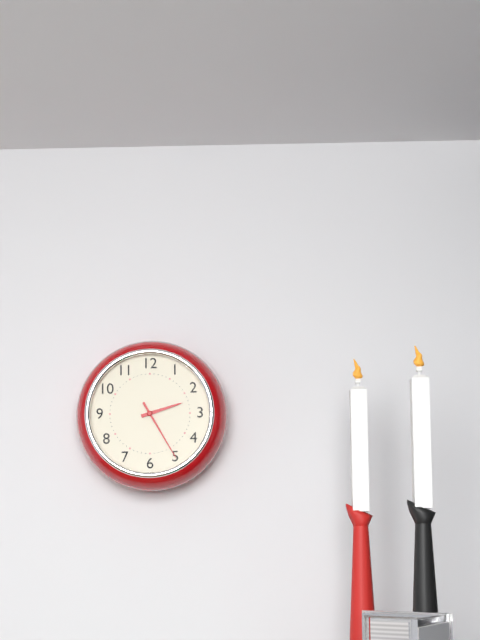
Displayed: 2 h 25 min
